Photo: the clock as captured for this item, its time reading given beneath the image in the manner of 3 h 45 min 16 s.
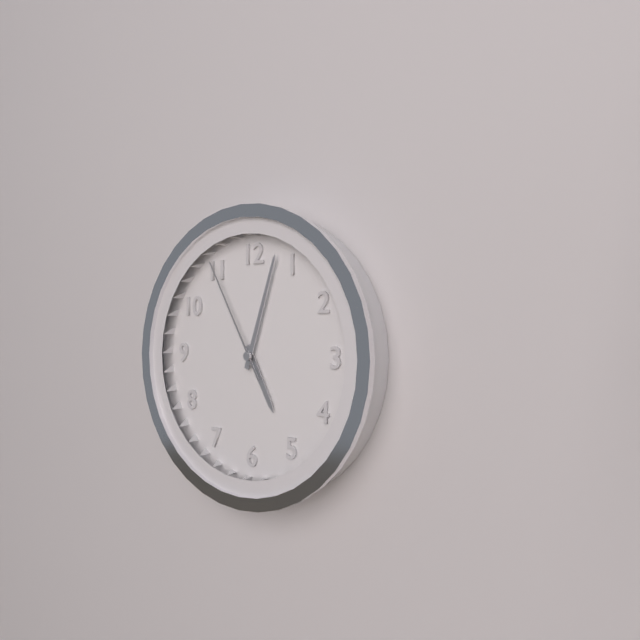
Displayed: 5 h 03 min 55 s
